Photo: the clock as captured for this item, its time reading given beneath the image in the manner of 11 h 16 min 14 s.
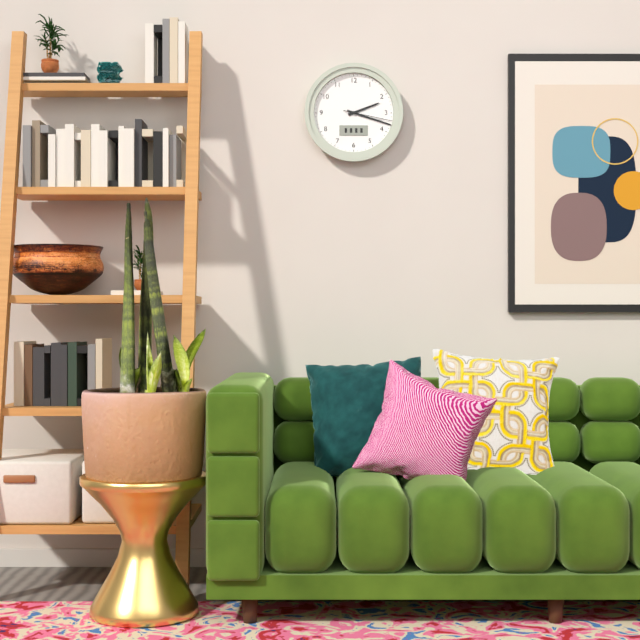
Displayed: 2 h 18 min 17 s
